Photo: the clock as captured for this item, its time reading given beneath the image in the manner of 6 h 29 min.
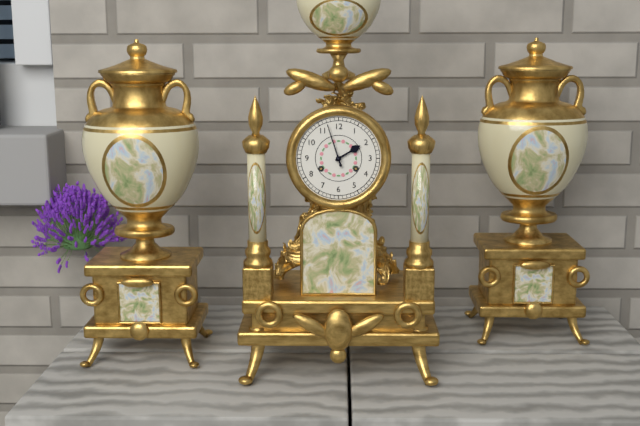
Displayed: 1 h 57 min
